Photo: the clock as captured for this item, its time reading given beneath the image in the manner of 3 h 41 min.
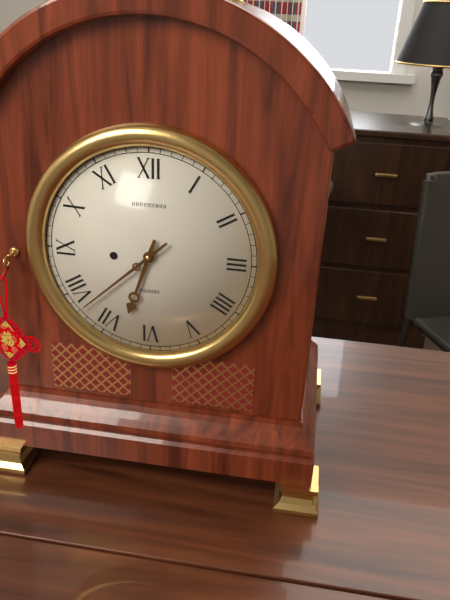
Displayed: 6 h 38 min
